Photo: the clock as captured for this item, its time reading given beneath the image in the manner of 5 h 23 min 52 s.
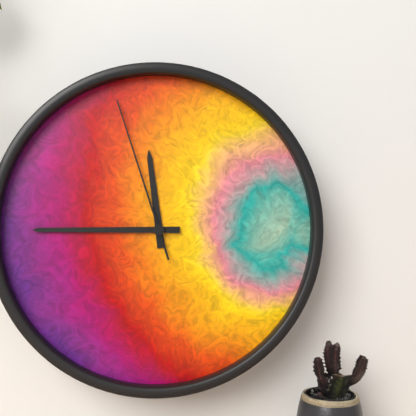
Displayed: 11 h 45 min 57 s
